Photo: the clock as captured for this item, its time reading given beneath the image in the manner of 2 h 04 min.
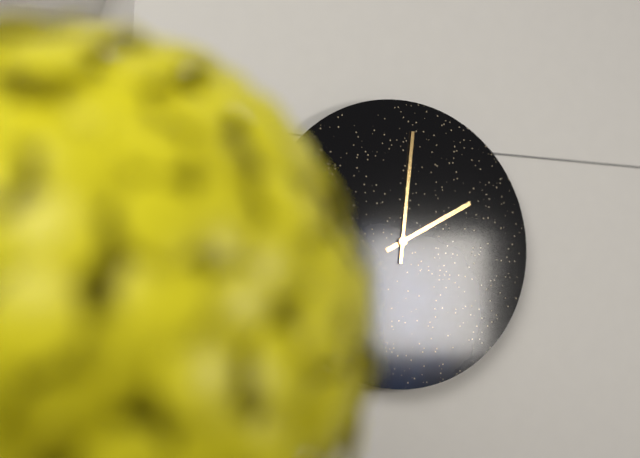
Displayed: 2 h 01 min
